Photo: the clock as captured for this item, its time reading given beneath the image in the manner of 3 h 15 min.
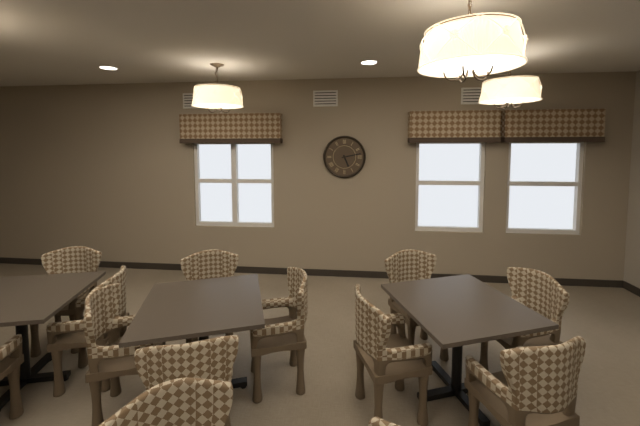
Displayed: 5 h 13 min
